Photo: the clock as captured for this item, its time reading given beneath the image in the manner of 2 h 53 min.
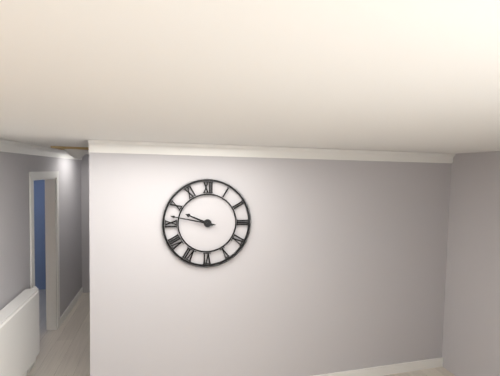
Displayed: 9 h 47 min
